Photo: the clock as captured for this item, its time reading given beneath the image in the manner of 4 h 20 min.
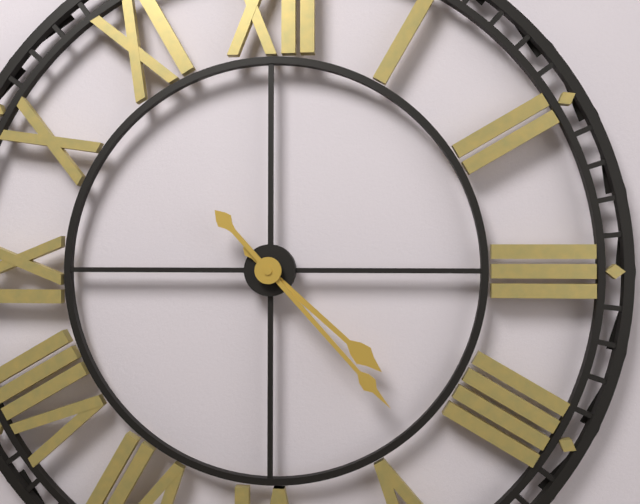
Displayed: 4 h 23 min
